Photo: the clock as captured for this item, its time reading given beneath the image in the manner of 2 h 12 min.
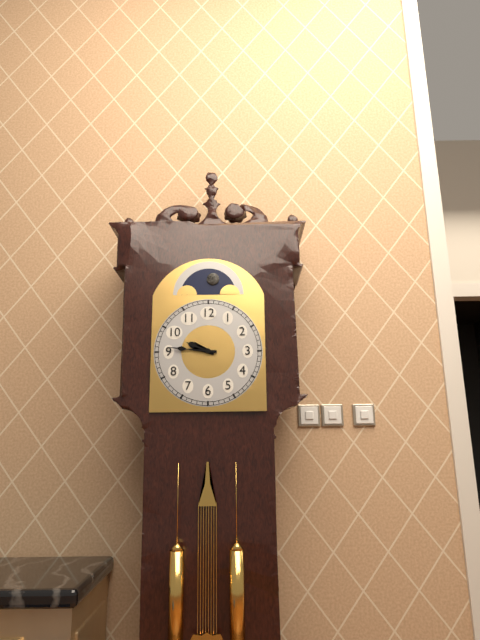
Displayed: 9 h 46 min
